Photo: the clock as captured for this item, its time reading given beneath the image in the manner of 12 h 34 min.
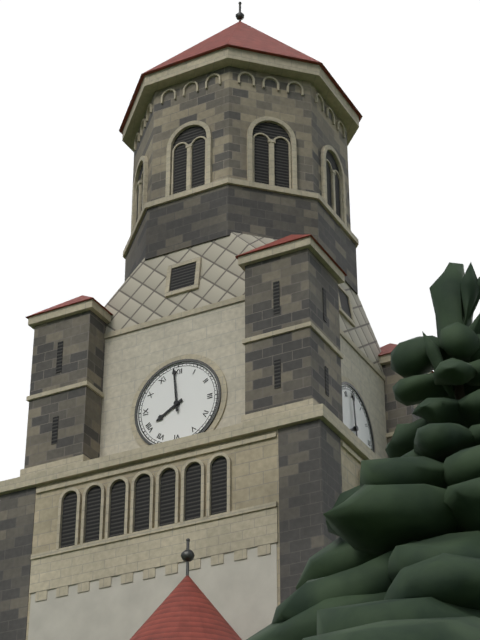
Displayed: 7 h 59 min
